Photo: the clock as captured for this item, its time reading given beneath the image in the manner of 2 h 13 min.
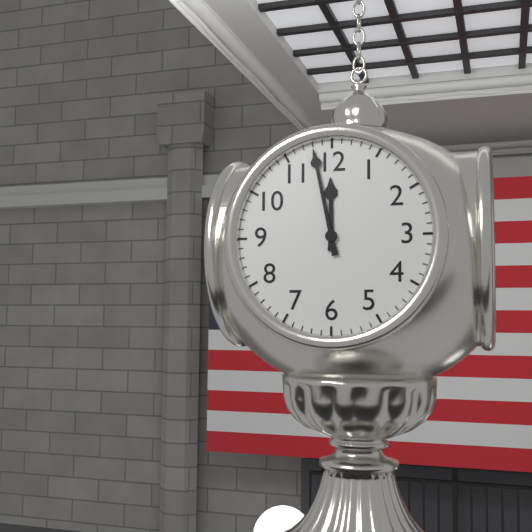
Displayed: 11 h 58 min
